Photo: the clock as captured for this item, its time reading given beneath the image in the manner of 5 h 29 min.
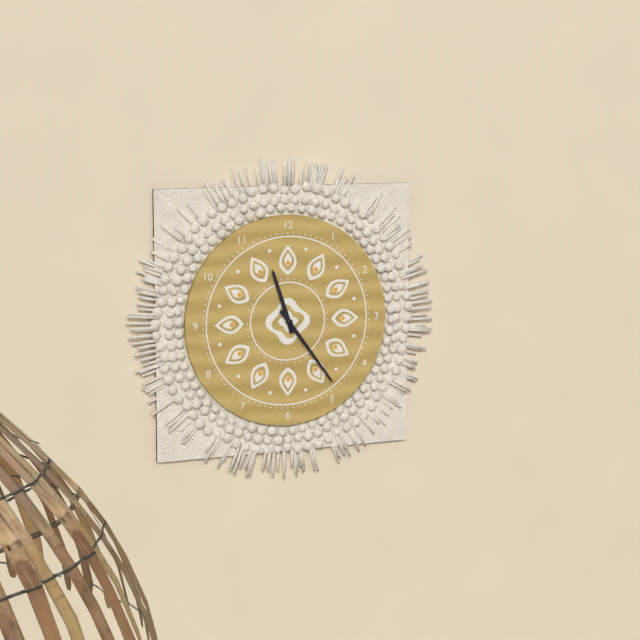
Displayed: 11 h 24 min
